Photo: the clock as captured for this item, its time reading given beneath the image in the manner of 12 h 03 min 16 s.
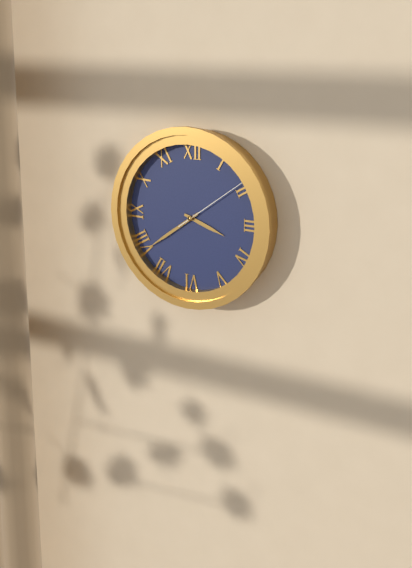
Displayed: 3 h 39 min 09 s
